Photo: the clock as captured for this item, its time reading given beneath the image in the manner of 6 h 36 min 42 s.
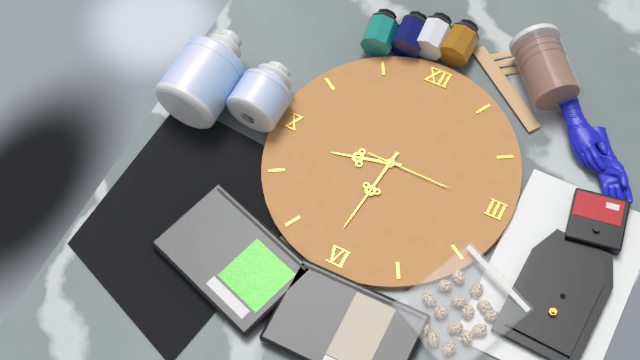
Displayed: 8 h 31 min 15 s
